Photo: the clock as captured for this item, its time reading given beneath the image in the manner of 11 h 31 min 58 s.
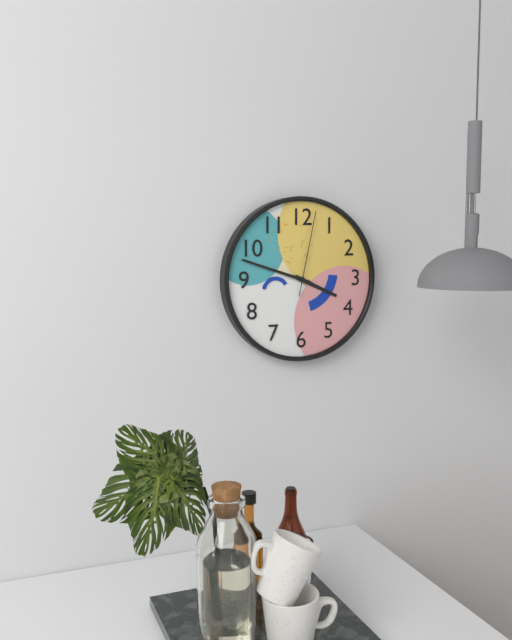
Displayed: 3 h 48 min 02 s
